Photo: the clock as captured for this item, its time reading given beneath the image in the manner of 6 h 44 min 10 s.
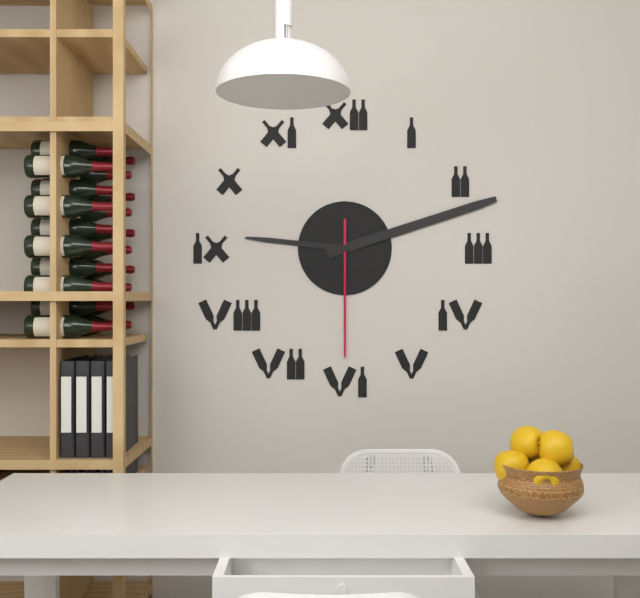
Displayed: 9 h 12 min 30 s
